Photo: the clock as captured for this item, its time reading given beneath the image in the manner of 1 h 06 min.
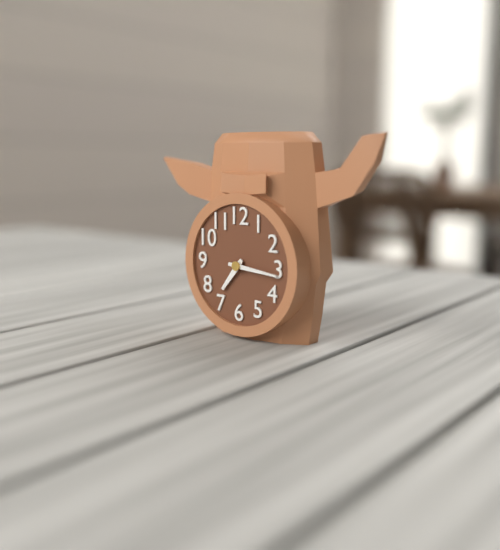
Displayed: 7 h 16 min
